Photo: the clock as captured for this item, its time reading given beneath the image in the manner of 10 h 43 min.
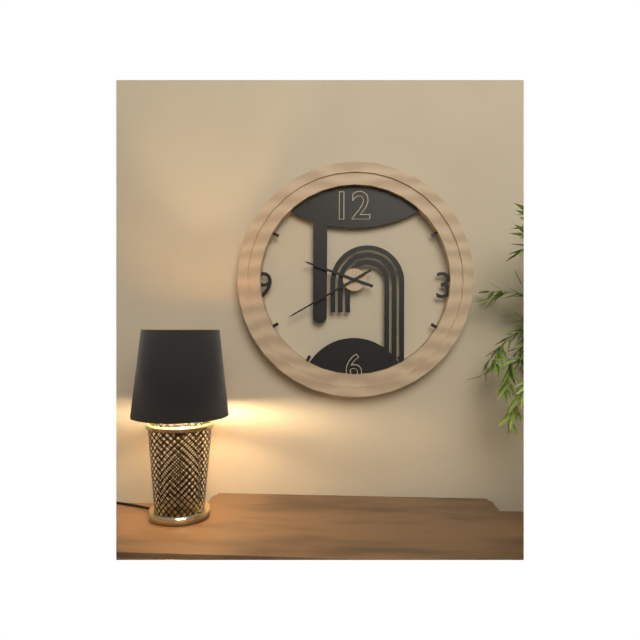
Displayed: 9 h 40 min
